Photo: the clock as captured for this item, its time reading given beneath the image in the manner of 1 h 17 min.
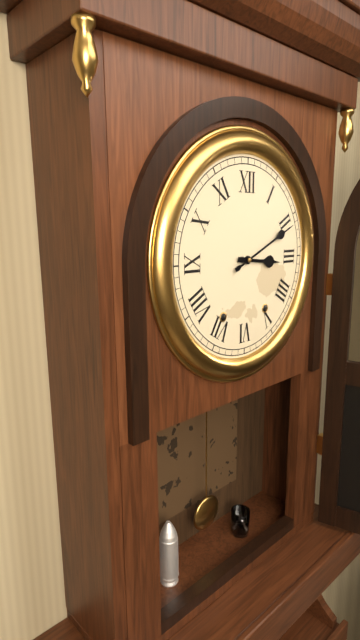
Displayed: 3 h 11 min
